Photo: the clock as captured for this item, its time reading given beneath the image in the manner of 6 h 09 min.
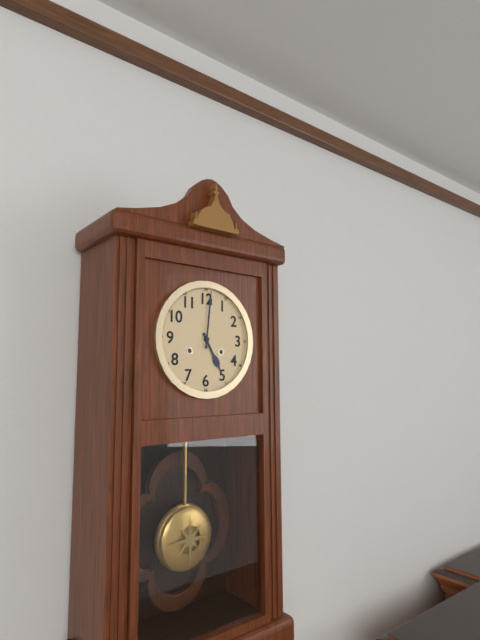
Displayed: 5 h 01 min
